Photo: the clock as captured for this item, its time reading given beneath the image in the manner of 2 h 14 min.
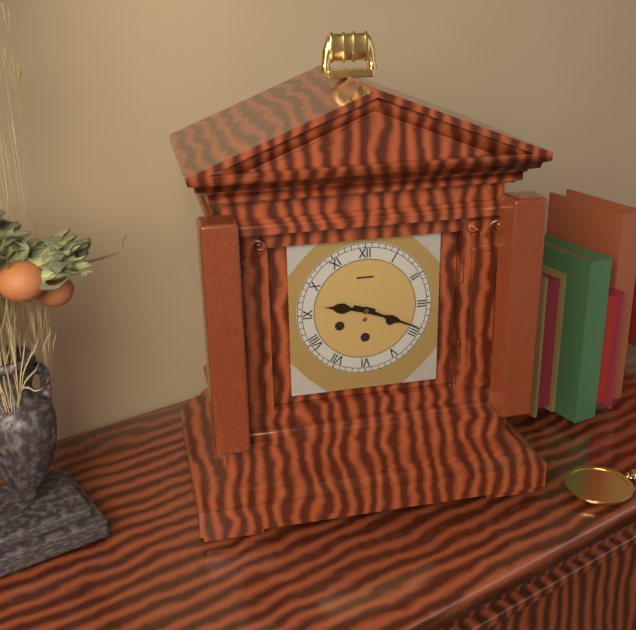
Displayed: 9 h 19 min
